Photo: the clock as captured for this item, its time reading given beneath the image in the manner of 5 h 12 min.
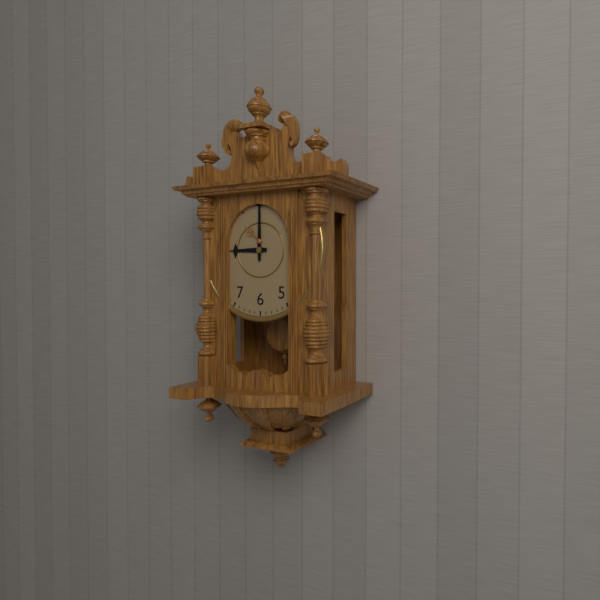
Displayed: 9 h 00 min
